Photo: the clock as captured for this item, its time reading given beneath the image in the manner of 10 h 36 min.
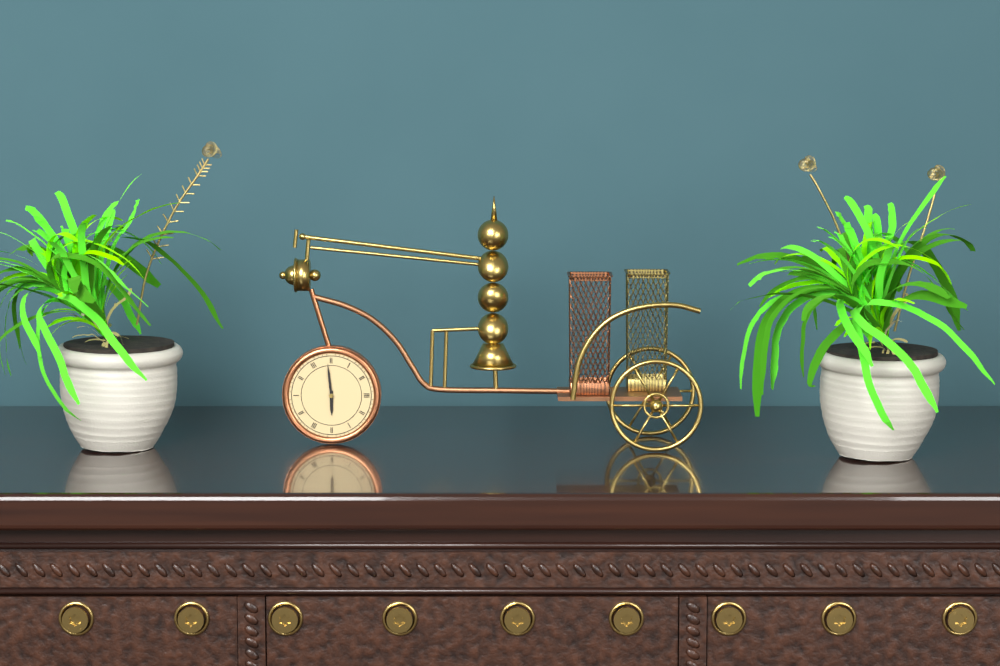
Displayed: 5 h 59 min
